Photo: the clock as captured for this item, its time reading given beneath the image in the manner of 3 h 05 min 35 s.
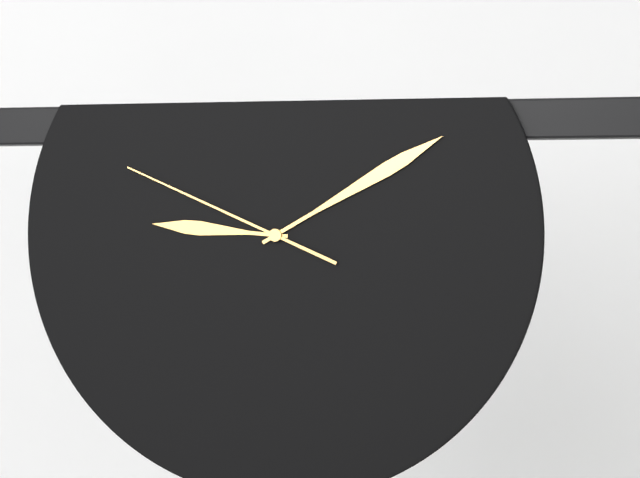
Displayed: 9 h 10 min 49 s
